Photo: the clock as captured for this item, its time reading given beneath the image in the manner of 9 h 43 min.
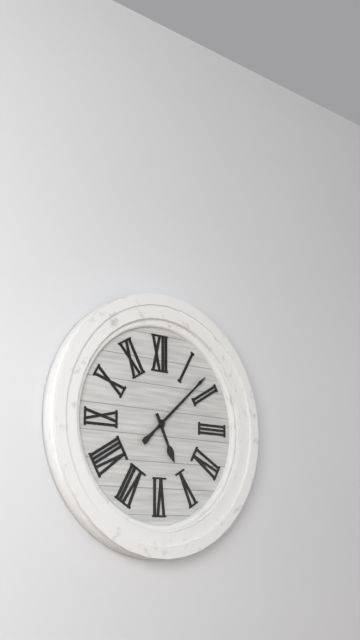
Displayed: 5 h 08 min
